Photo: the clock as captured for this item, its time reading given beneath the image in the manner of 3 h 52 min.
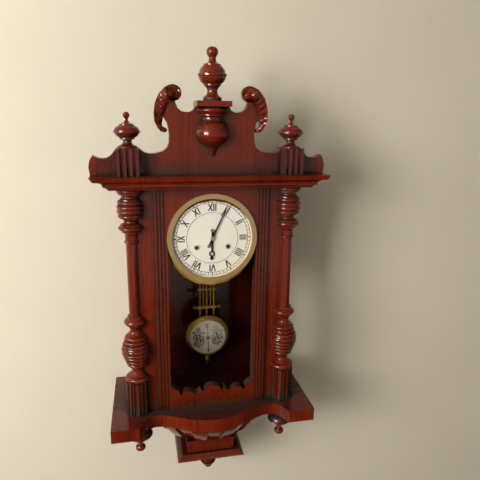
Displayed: 6 h 04 min
